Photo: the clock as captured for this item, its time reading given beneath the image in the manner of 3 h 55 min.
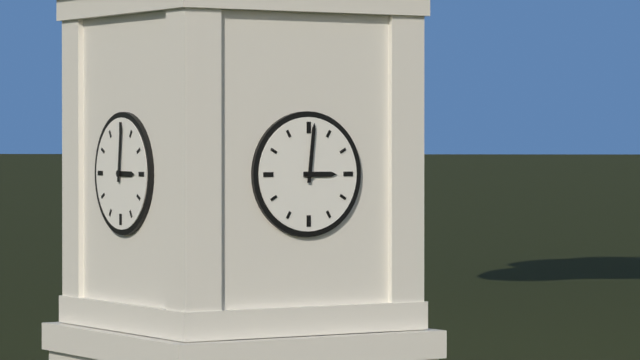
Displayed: 3 h 01 min
